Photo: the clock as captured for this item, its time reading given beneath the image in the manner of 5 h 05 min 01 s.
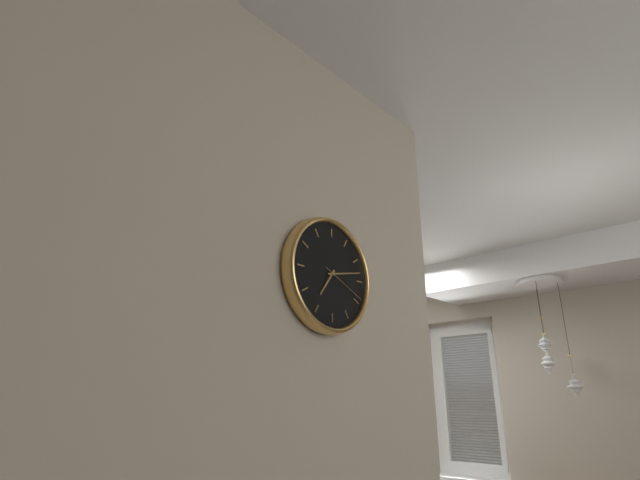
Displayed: 7 h 13 min 19 s
